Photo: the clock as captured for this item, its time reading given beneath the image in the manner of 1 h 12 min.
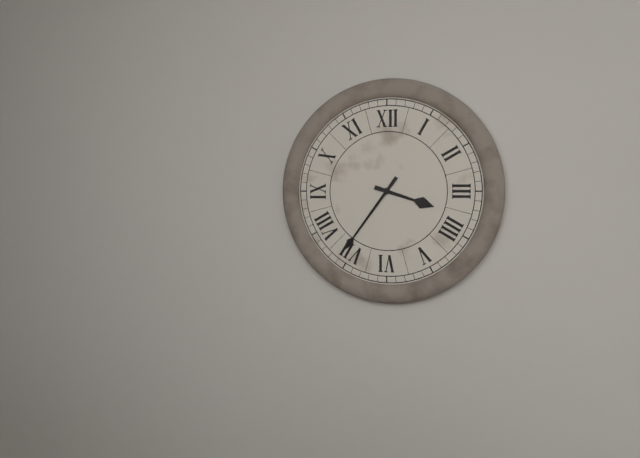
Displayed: 3 h 36 min
